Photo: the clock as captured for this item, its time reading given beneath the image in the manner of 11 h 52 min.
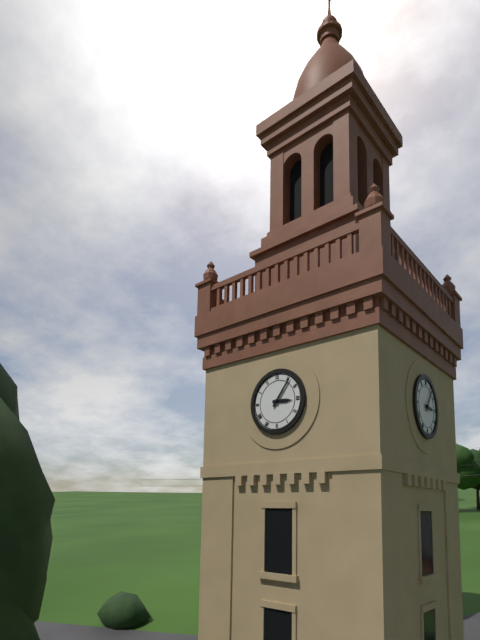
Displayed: 3 h 06 min
